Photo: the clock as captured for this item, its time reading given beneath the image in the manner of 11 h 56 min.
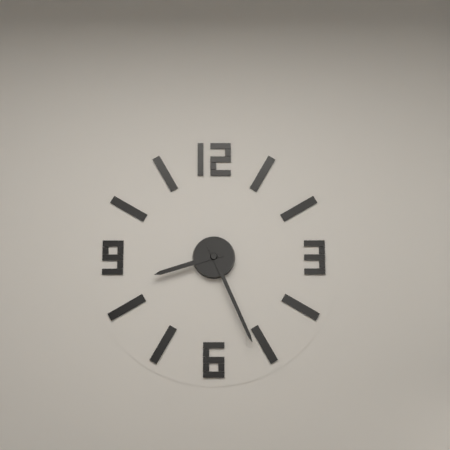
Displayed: 8 h 26 min
